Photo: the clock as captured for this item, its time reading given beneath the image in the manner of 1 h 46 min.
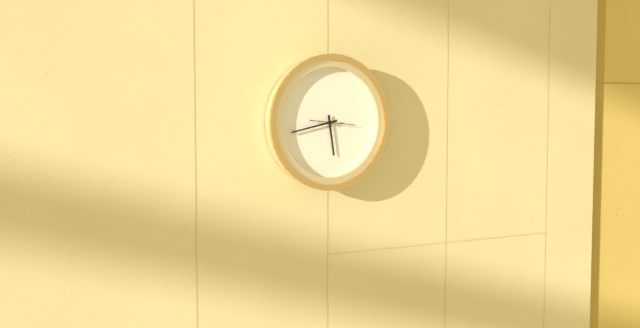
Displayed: 5 h 43 min
